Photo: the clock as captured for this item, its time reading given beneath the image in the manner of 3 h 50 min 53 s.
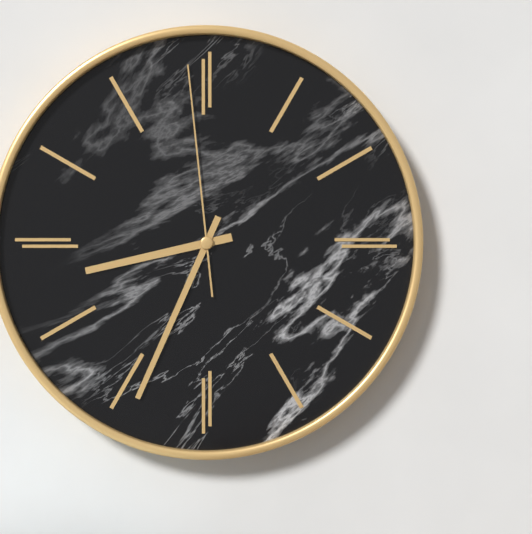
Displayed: 8 h 34 min 59 s
